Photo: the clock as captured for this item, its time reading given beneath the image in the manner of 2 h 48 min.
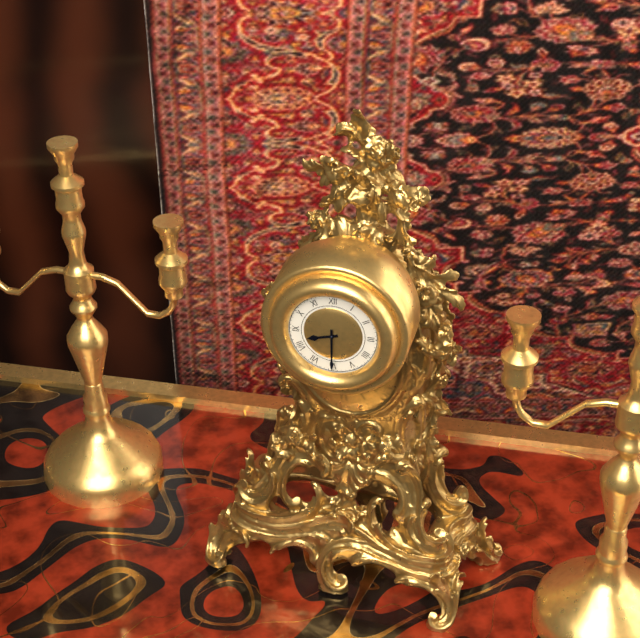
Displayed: 8 h 30 min
